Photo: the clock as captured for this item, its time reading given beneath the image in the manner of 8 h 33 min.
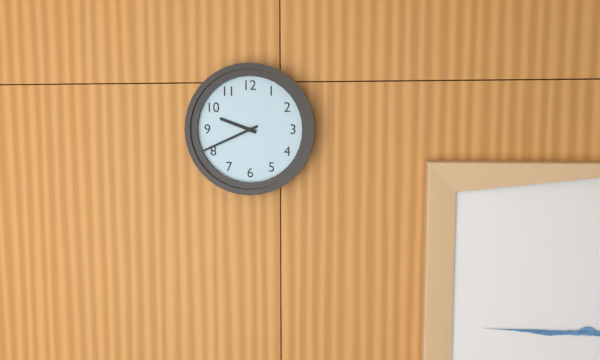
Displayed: 9 h 41 min
